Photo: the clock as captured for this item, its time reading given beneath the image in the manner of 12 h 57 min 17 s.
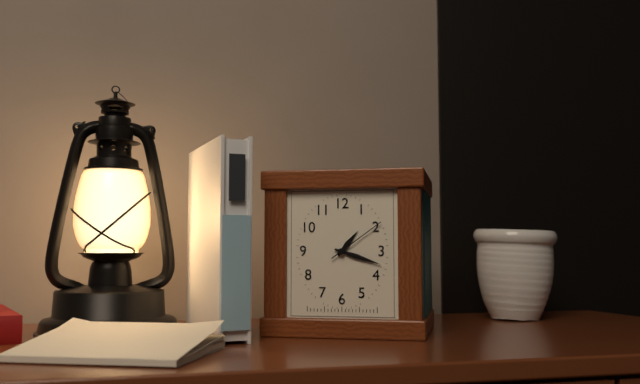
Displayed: 1 h 18 min 09 s
